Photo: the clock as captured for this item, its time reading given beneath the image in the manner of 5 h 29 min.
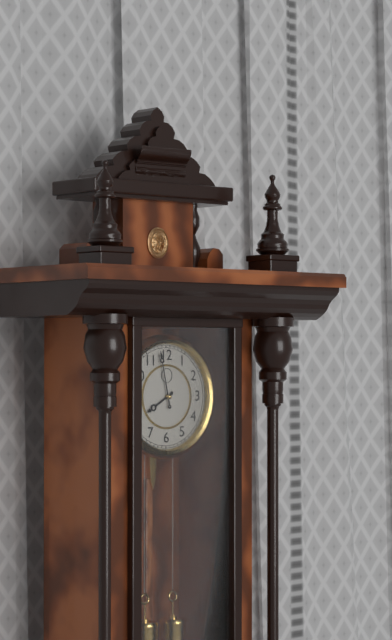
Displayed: 7 h 58 min
